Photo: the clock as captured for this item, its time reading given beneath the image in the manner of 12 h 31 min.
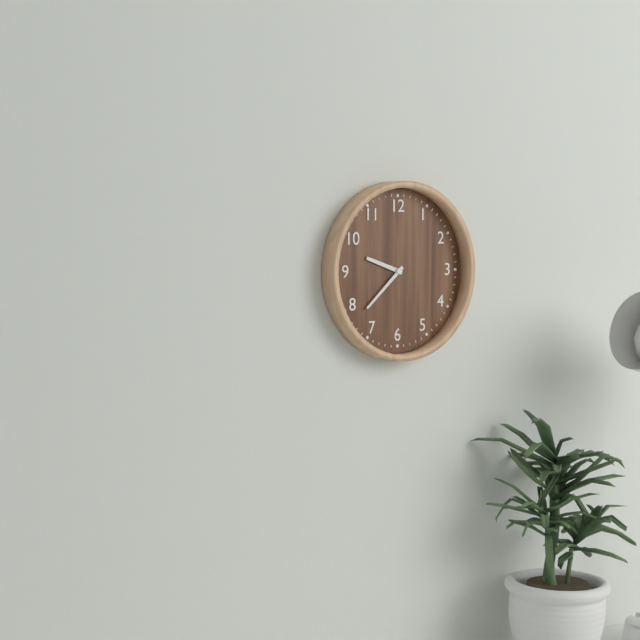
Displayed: 9 h 38 min
